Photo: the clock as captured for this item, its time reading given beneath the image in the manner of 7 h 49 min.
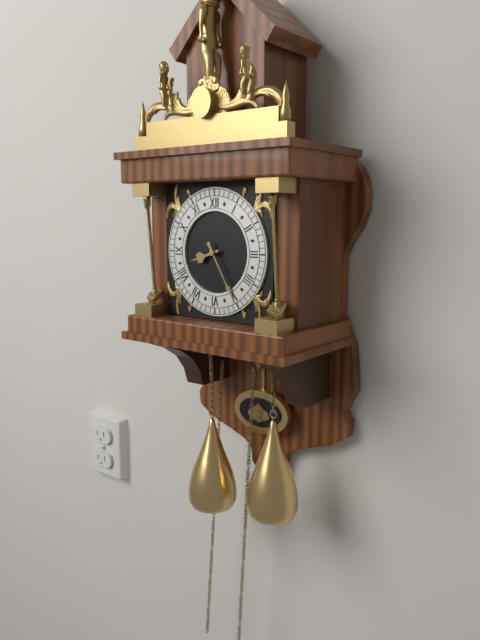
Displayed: 8 h 25 min
